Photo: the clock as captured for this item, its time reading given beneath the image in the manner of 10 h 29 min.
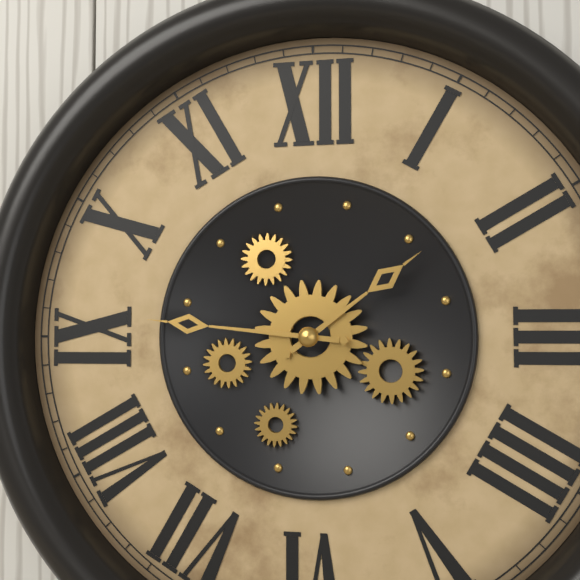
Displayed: 1 h 46 min
